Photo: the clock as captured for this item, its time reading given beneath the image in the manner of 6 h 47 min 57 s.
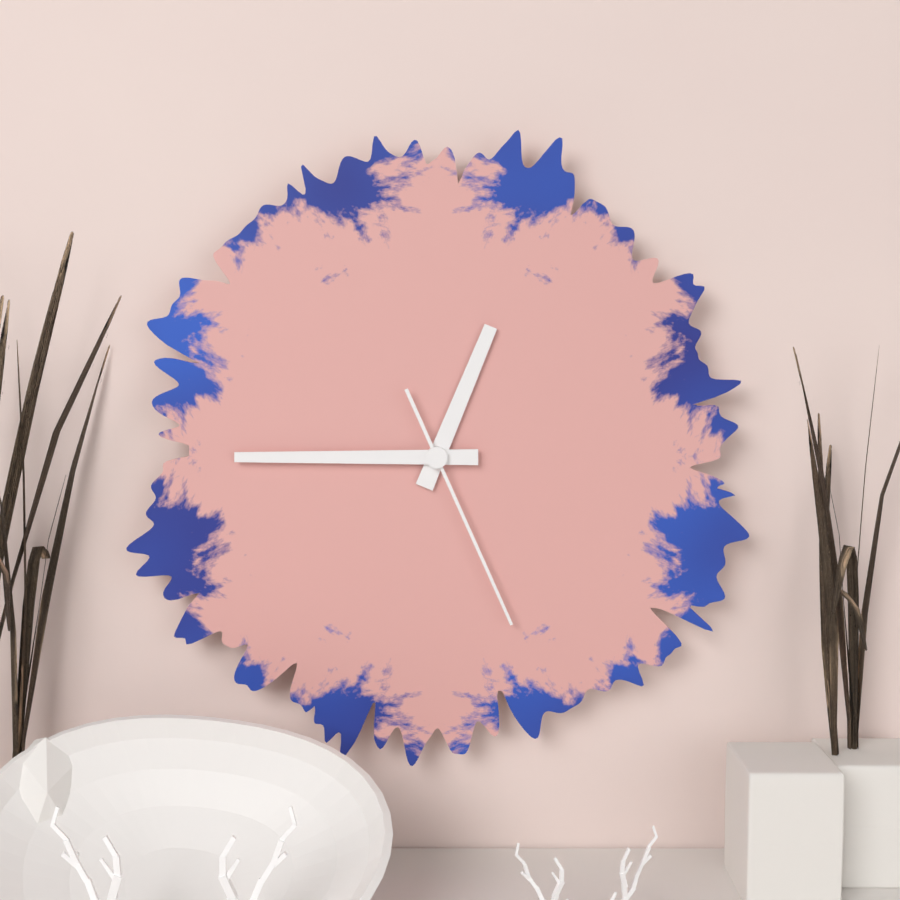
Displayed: 12 h 45 min 26 s
